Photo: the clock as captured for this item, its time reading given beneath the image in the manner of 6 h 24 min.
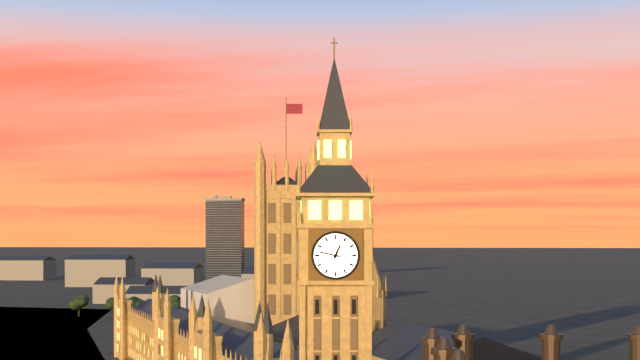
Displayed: 12 h 47 min
